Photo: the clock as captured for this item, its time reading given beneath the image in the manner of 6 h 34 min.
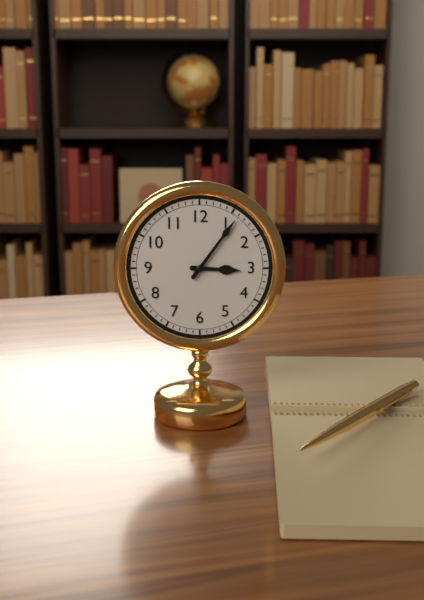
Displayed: 3 h 06 min
